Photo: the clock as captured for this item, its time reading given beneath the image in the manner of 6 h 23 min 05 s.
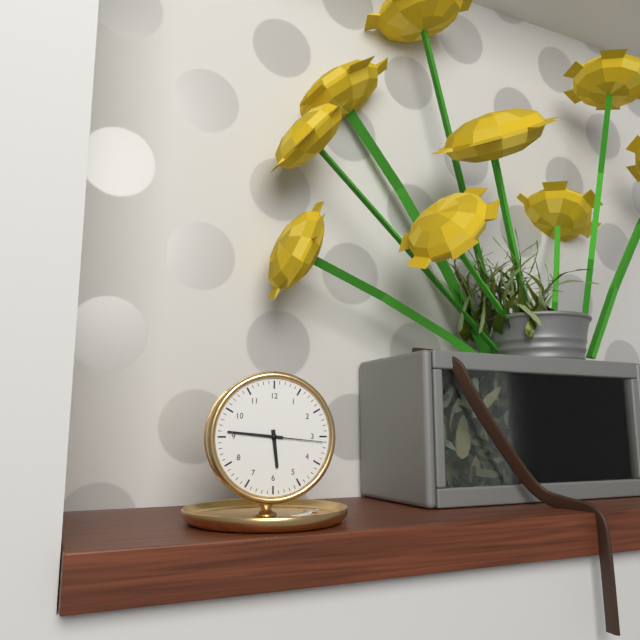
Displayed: 5 h 46 min 16 s
